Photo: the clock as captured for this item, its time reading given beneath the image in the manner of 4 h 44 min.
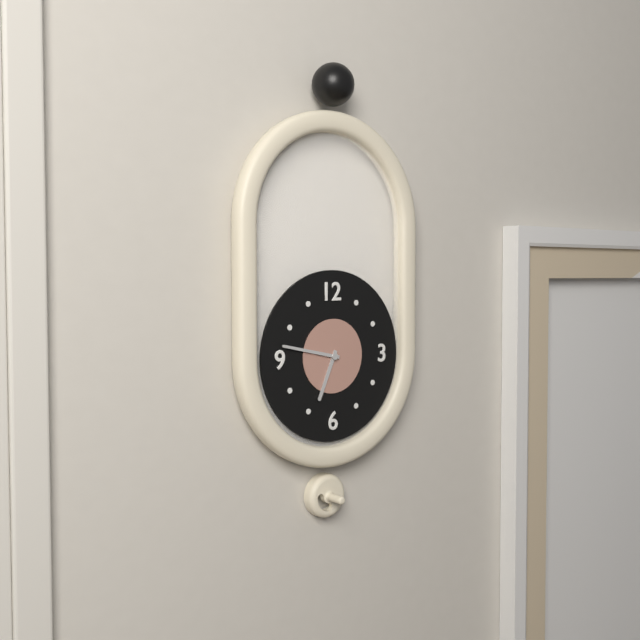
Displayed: 6 h 47 min
